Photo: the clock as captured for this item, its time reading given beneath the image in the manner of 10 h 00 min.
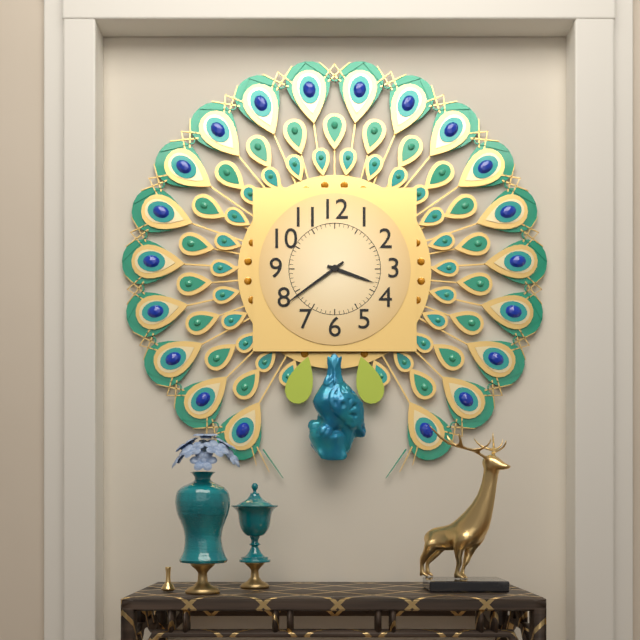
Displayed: 3 h 39 min
